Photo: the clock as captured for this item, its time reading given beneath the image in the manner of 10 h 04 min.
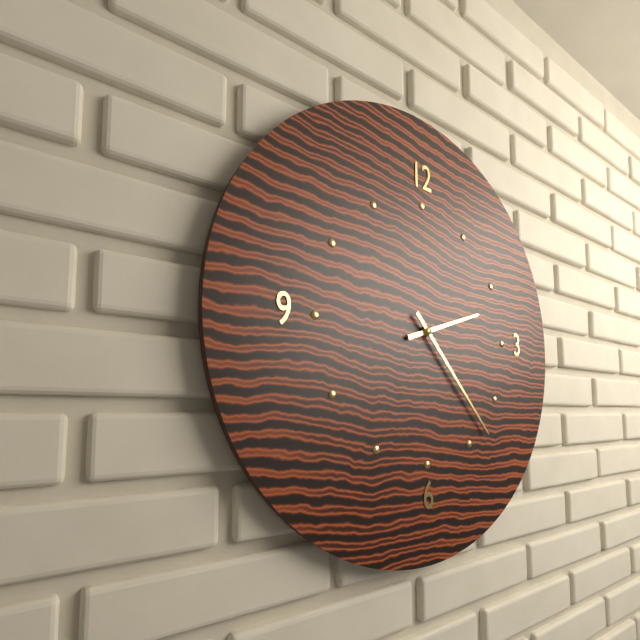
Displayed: 2 h 23 min
